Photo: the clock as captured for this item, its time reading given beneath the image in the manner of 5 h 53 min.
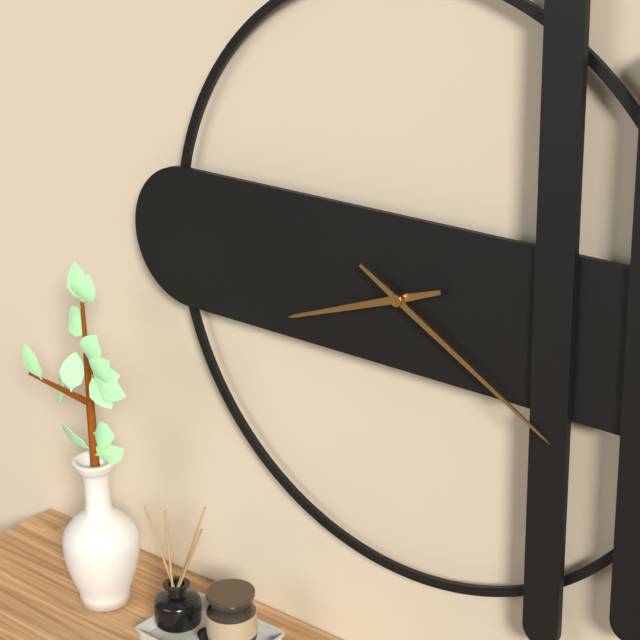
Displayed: 8 h 20 min
